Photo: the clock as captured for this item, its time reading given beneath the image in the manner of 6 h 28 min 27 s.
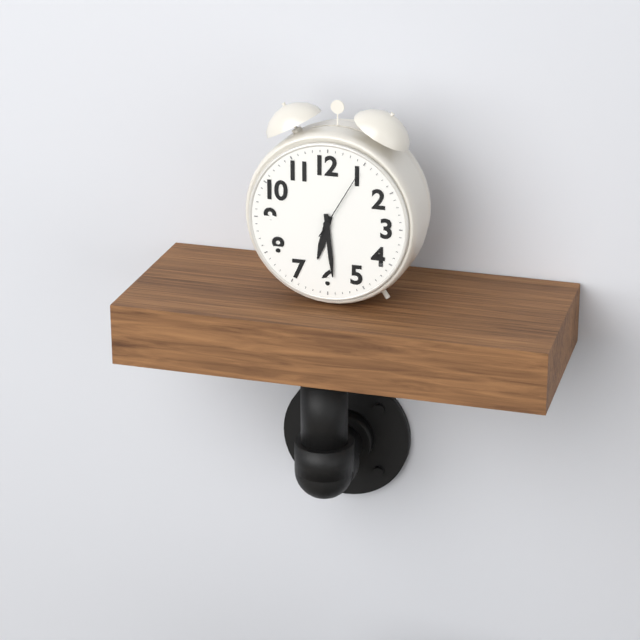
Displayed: 6 h 29 min 05 s
